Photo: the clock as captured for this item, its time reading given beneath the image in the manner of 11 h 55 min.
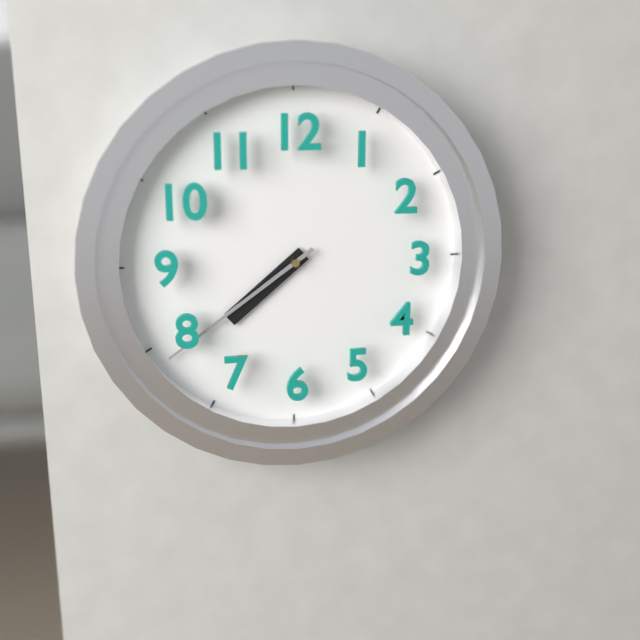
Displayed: 7 h 39 min
